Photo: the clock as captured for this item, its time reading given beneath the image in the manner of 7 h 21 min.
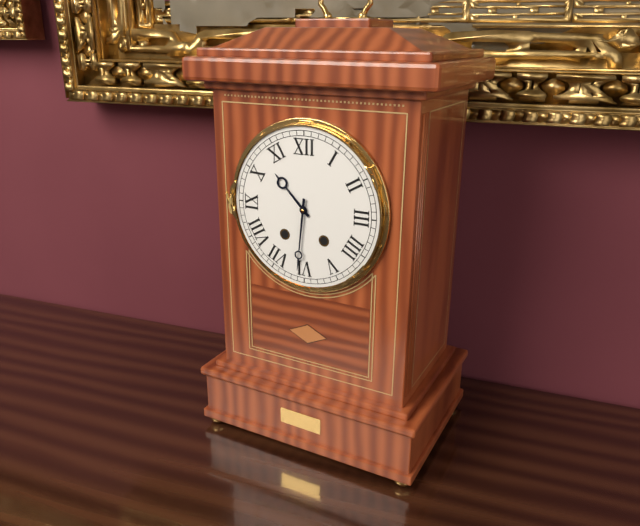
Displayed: 10 h 31 min
